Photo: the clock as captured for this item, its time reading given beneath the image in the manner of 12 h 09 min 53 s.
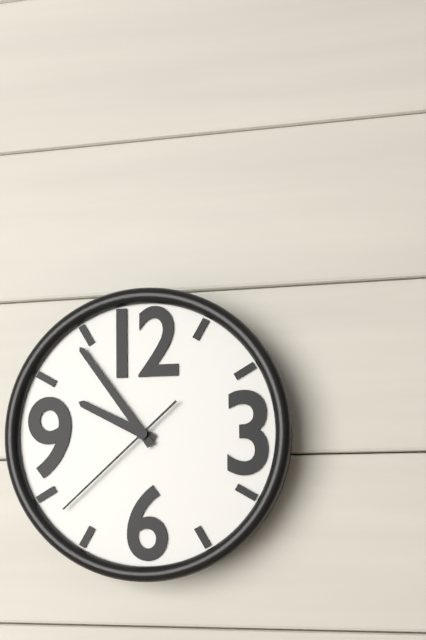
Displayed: 9 h 54 min 38 s
